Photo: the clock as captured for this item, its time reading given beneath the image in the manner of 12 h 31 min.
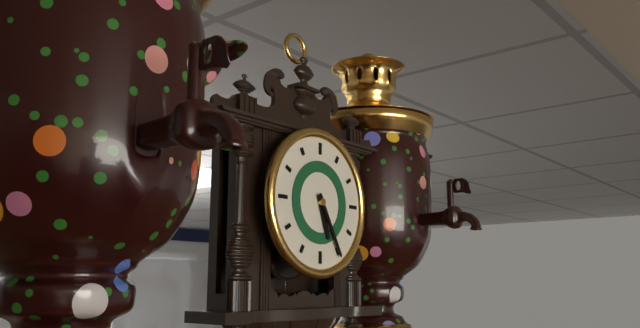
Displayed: 5 h 25 min
